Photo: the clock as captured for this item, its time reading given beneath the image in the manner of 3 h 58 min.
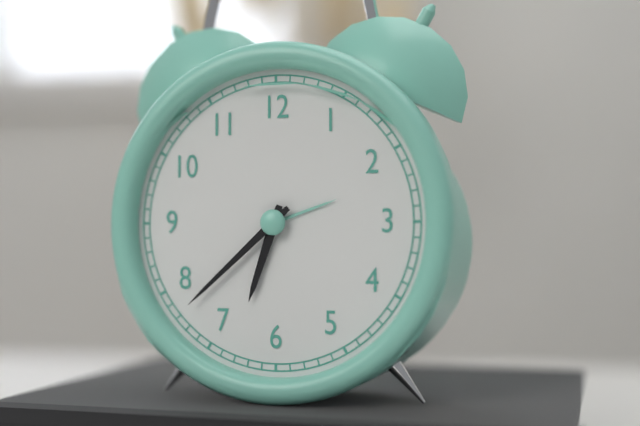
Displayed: 6 h 38 min
